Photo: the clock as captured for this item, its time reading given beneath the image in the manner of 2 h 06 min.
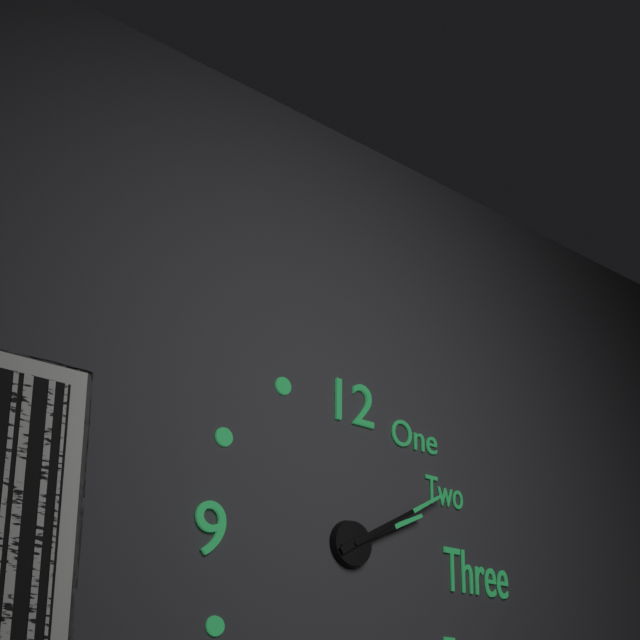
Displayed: 2 h 10 min
